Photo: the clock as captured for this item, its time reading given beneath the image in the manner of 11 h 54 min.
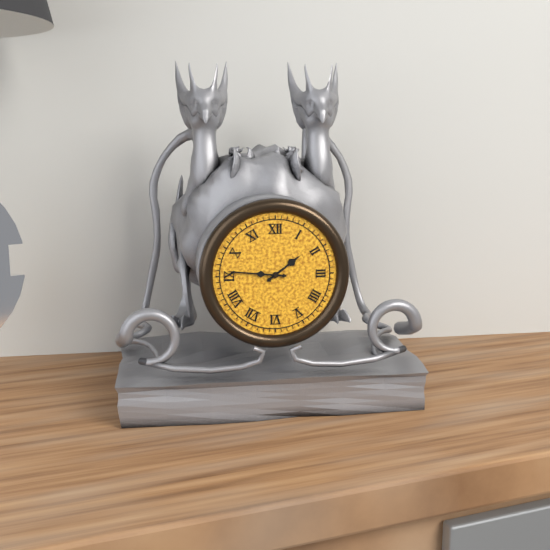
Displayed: 1 h 46 min
